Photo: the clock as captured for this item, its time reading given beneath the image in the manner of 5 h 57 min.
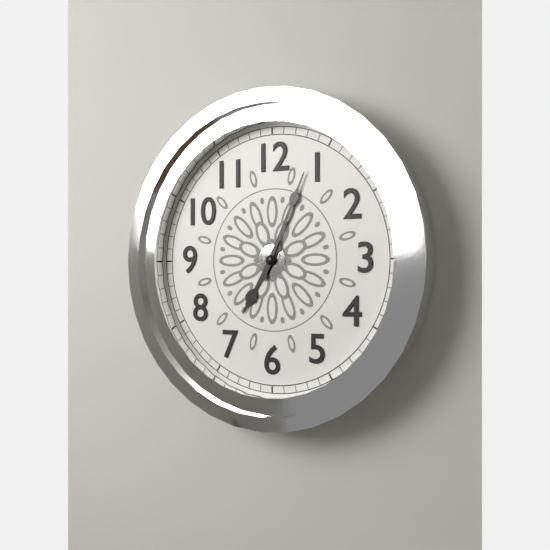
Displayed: 7 h 04 min
